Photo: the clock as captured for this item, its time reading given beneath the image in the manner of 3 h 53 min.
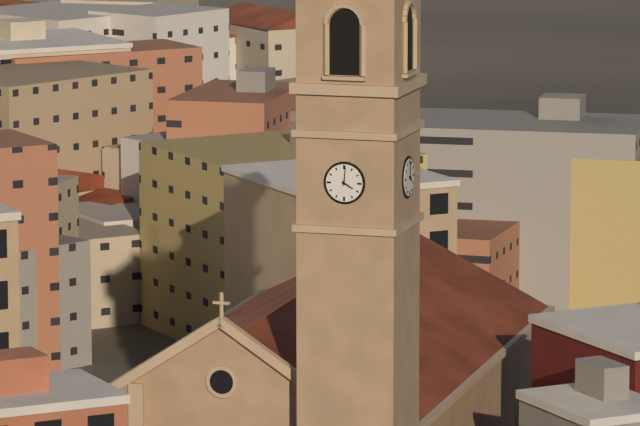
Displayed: 4 h 01 min
